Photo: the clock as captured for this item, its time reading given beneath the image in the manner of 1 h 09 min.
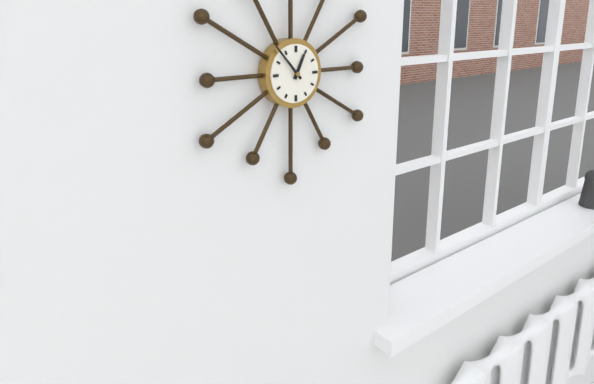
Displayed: 12 h 53 min
